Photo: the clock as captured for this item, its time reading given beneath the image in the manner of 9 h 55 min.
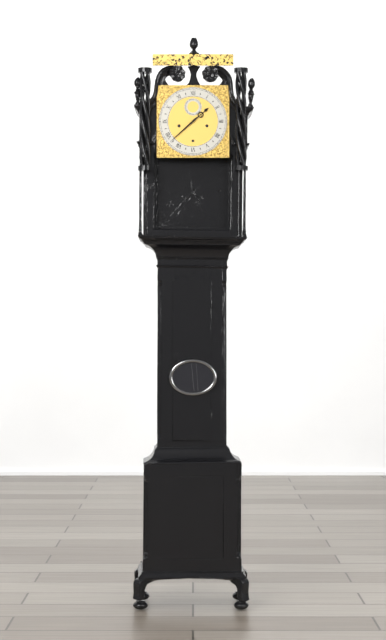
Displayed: 1 h 38 min
